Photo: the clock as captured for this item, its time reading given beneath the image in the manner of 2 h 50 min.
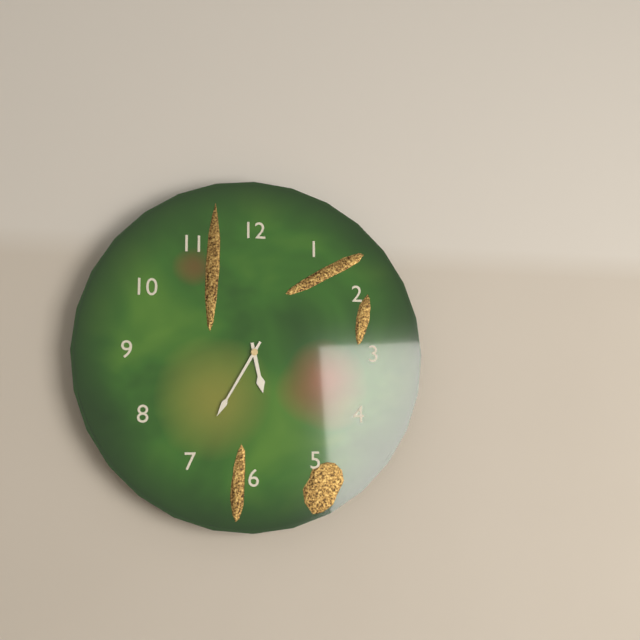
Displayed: 5 h 35 min
